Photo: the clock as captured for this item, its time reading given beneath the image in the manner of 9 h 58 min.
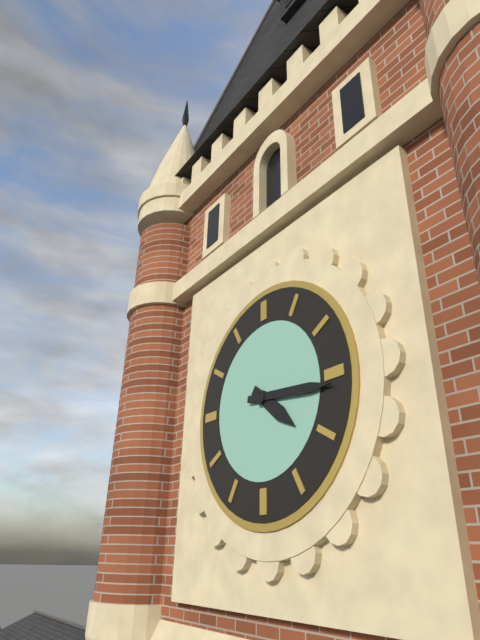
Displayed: 4 h 16 min
